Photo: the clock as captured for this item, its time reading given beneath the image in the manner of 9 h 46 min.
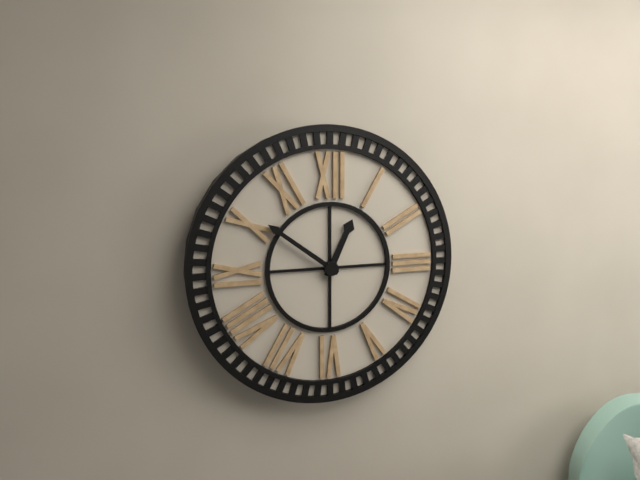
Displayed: 12 h 51 min
